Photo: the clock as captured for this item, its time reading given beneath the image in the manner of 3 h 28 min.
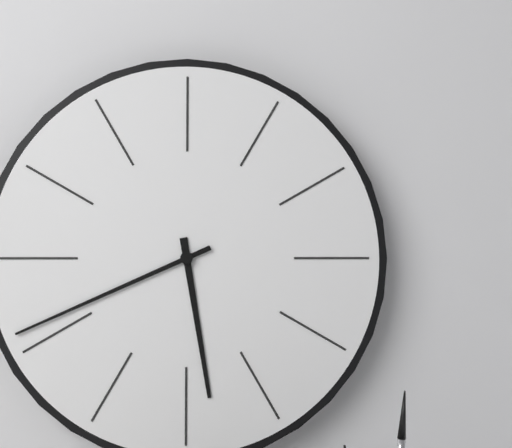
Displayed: 5 h 41 min
